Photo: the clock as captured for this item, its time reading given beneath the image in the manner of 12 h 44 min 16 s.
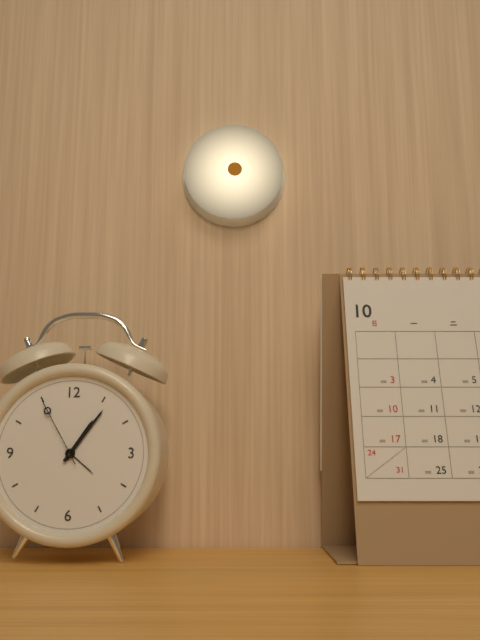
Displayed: 1 h 06 min 55 s
